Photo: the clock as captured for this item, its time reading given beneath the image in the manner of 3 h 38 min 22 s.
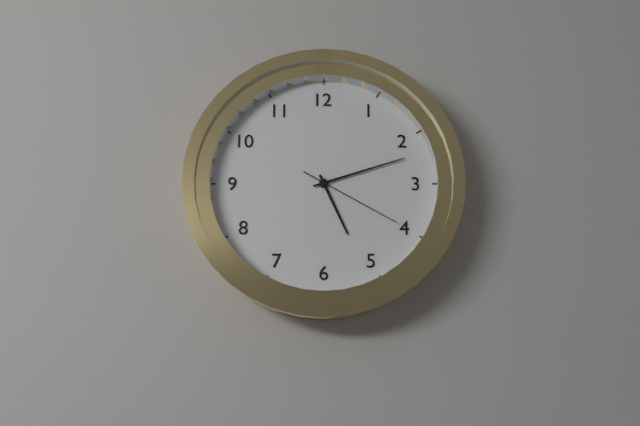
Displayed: 5 h 12 min 20 s
